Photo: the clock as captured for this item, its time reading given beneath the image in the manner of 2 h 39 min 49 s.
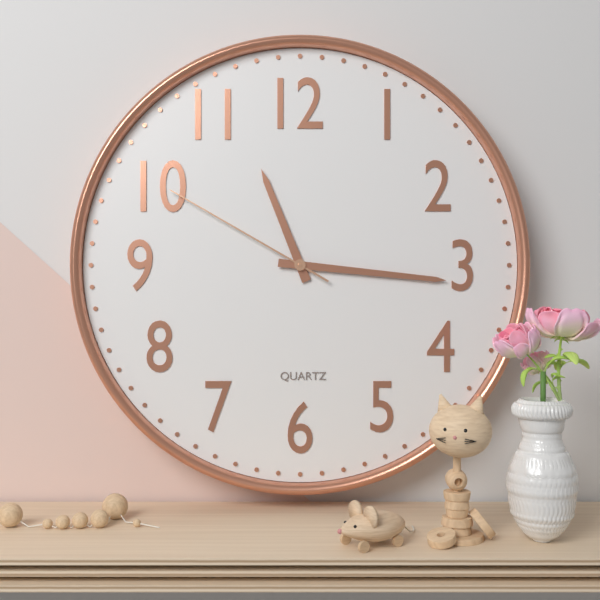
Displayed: 11 h 16 min 50 s
